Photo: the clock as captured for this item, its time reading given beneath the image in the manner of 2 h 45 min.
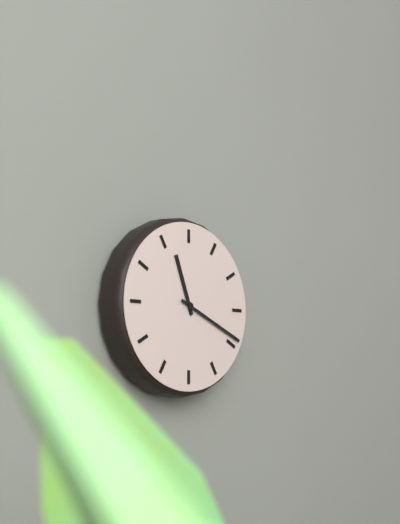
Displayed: 11 h 19 min
